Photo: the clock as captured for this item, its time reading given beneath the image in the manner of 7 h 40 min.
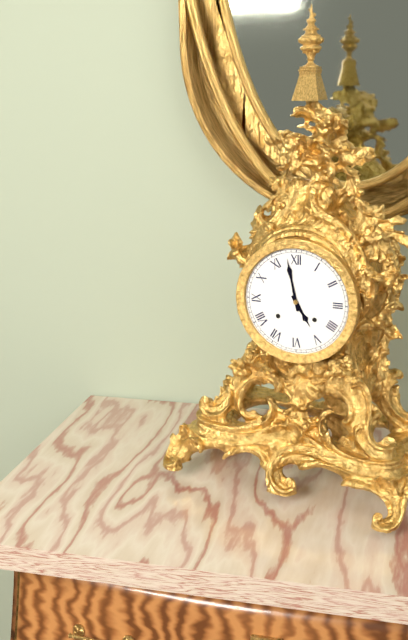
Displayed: 4 h 58 min
